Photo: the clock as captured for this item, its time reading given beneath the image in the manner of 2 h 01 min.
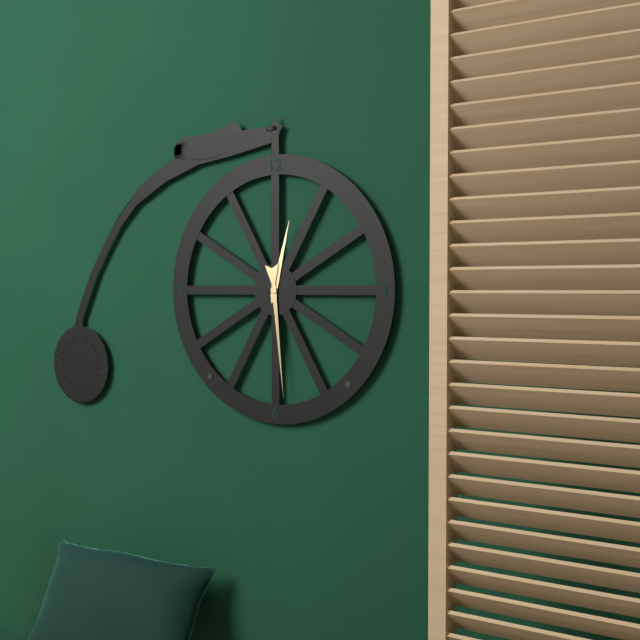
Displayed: 12 h 29 min
